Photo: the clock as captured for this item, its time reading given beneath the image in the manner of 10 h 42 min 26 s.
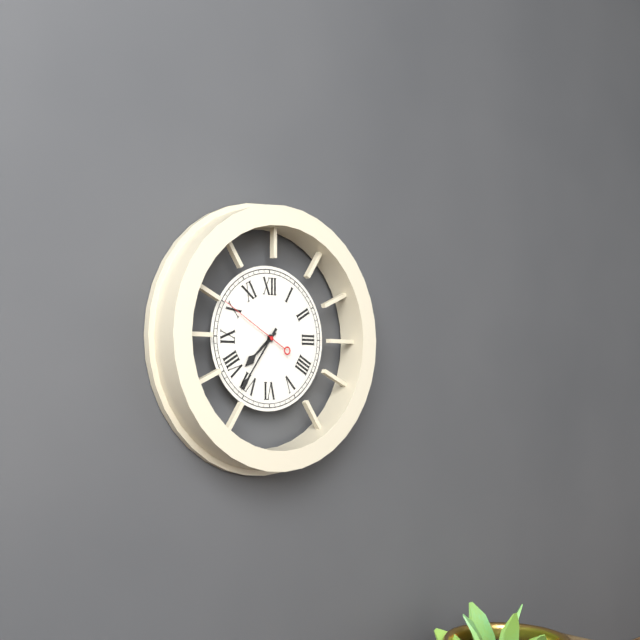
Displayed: 7 h 36 min 50 s
